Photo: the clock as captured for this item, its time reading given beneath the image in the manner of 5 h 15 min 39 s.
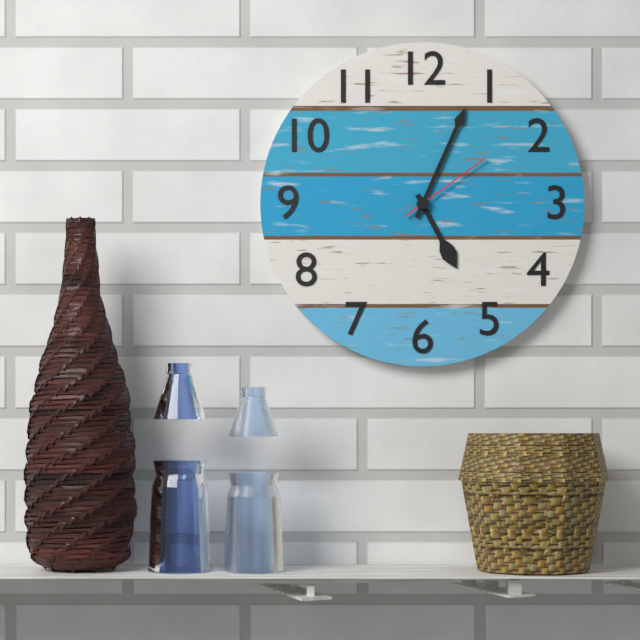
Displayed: 5 h 04 min 09 s
